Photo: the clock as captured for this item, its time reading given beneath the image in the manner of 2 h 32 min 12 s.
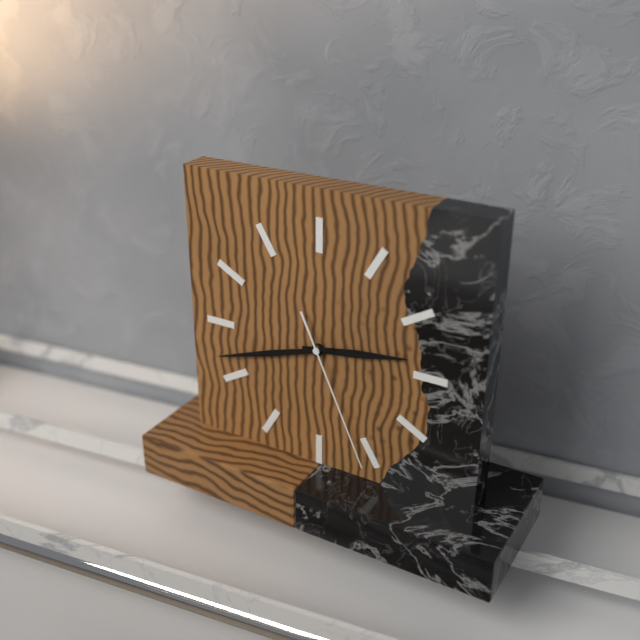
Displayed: 2 h 42 min 26 s
